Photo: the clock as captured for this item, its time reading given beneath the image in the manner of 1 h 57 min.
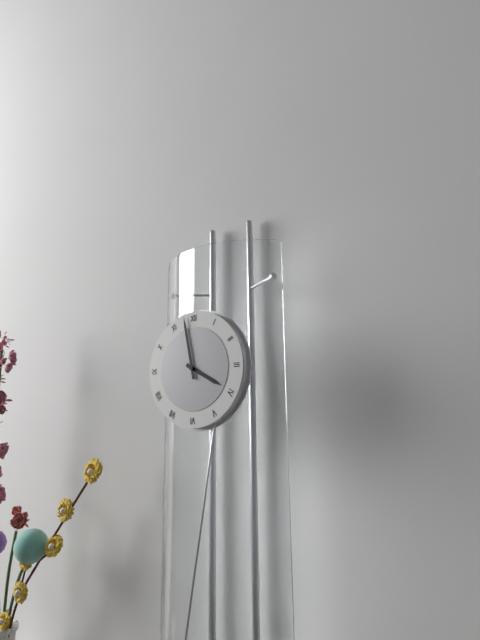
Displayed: 3 h 58 min
